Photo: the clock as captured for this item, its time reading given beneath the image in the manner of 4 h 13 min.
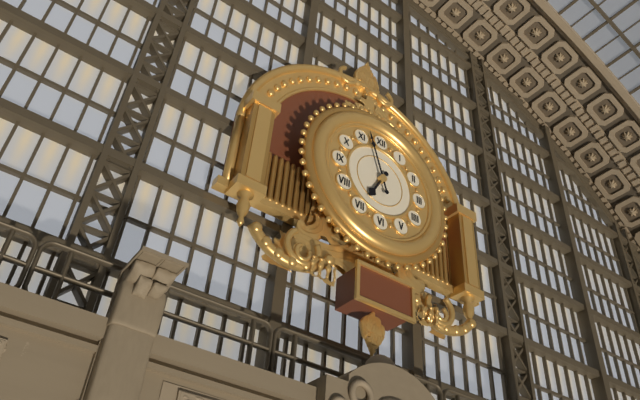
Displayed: 6 h 57 min
